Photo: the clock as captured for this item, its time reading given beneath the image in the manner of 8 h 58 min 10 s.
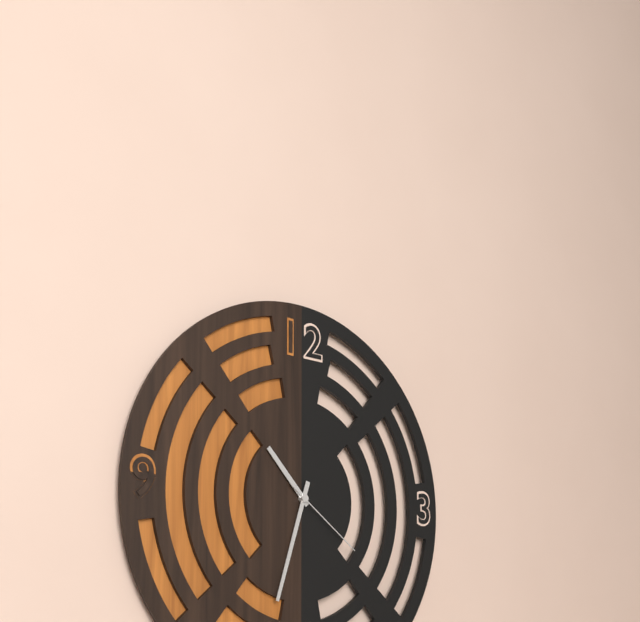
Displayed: 10 h 33 min 21 s
